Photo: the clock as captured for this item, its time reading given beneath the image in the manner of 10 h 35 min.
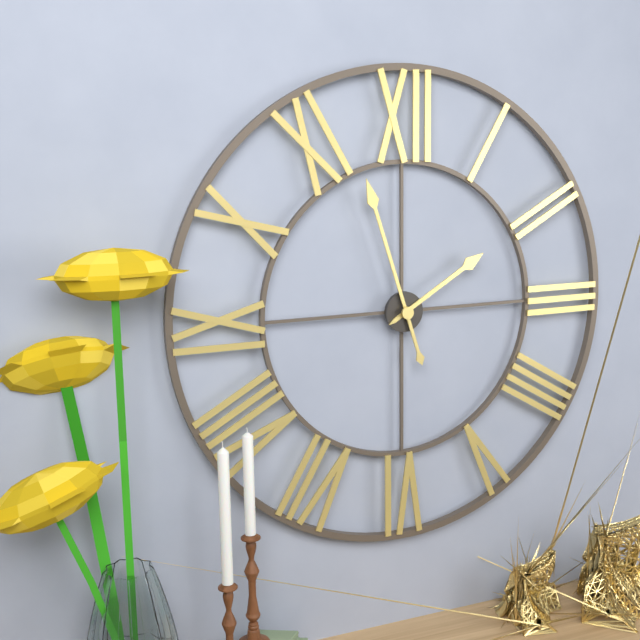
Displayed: 1 h 57 min
